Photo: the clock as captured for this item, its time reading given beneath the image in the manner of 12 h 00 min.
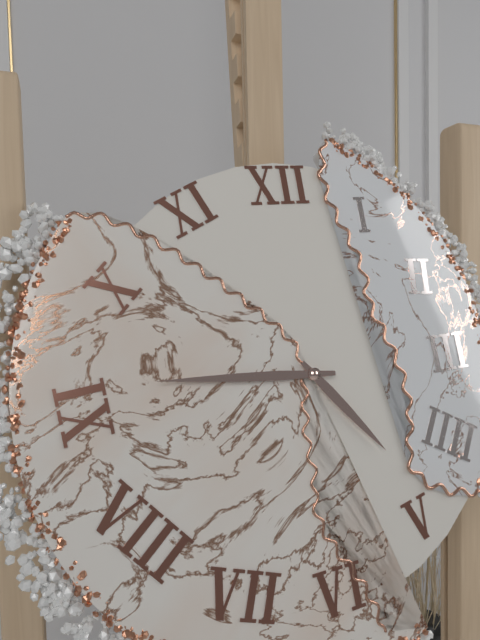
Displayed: 4 h 46 min
